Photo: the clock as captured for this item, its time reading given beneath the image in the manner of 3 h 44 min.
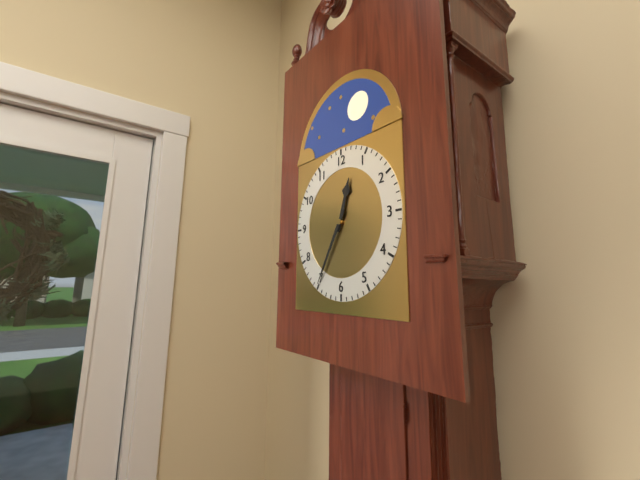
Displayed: 12 h 35 min
